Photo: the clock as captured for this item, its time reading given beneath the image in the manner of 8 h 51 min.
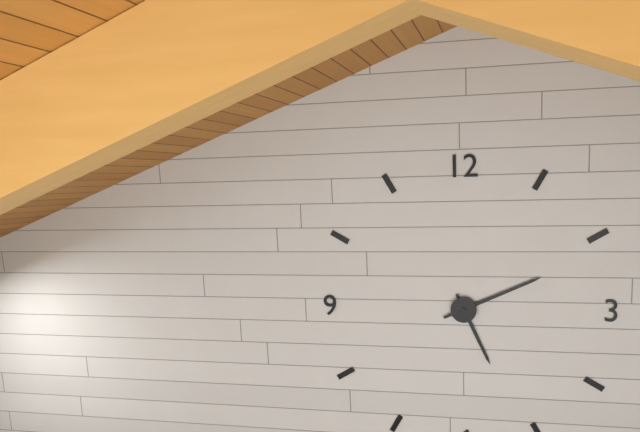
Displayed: 5 h 11 min
